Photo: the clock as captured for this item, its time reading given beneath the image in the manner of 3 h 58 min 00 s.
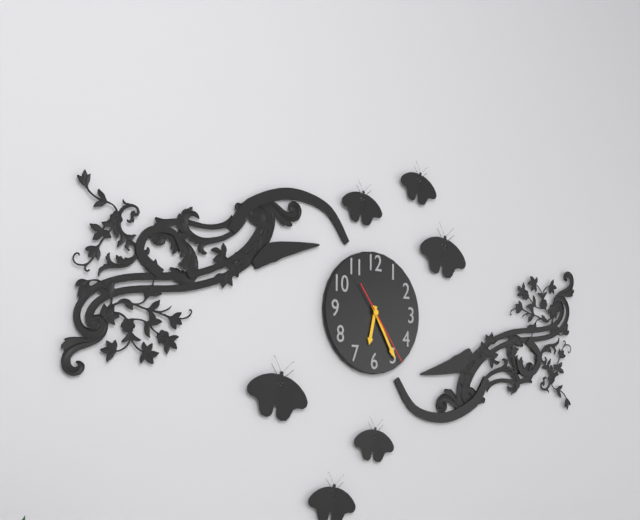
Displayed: 6 h 25 min 24 s
